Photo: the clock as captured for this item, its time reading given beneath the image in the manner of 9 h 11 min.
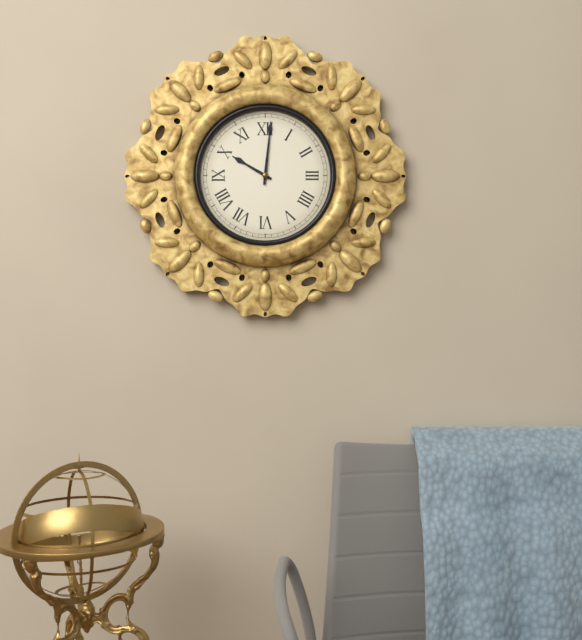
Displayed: 10 h 01 min
